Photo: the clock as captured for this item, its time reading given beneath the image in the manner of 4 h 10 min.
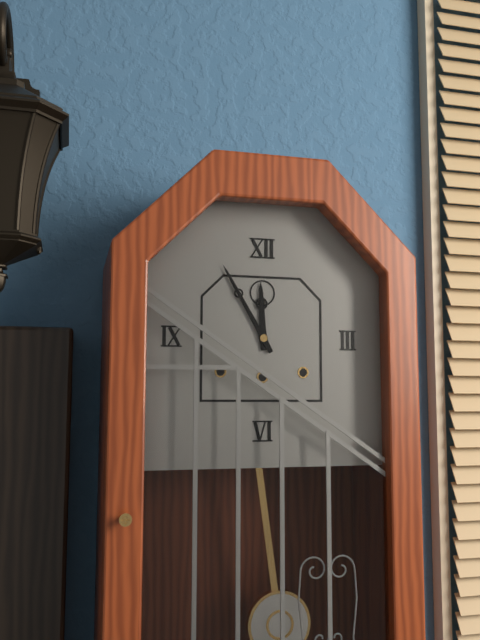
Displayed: 11 h 55 min
